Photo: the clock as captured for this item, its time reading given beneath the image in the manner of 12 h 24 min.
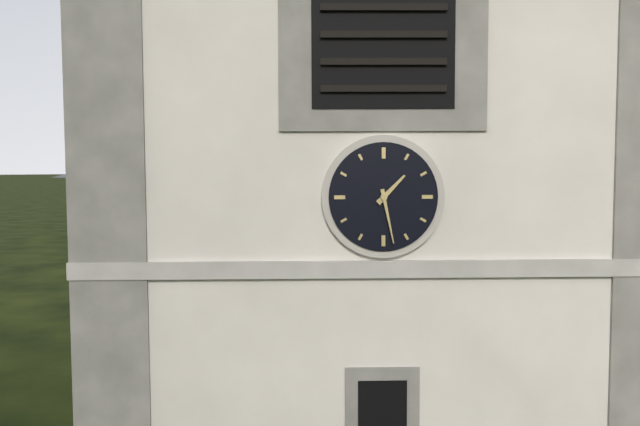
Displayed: 1 h 28 min
